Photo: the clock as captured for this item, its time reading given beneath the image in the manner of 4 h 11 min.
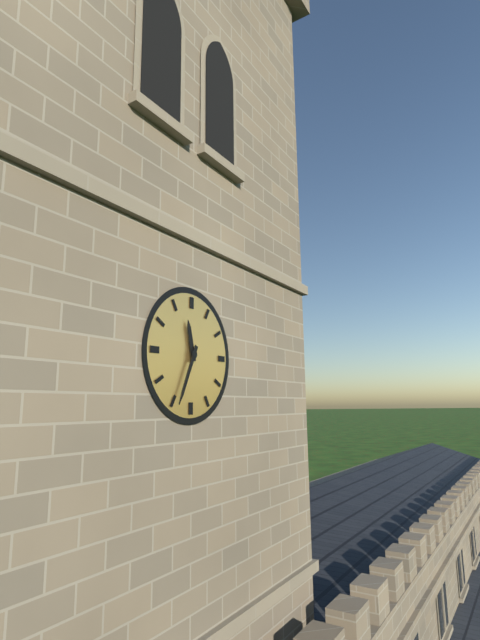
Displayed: 11 h 34 min
